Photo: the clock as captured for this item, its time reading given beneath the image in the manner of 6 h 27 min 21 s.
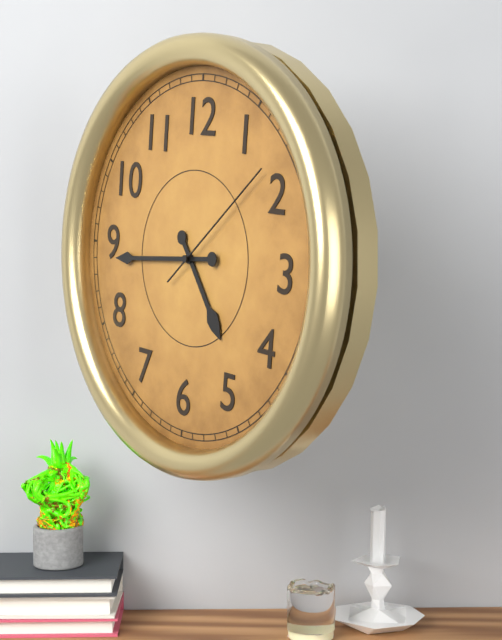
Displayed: 4 h 44 min 08 s
